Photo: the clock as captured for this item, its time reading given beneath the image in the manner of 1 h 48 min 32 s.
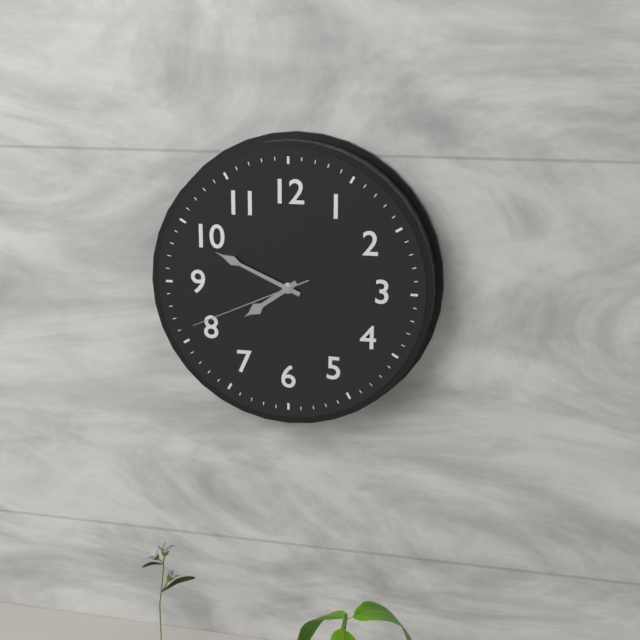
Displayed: 7 h 49 min 41 s
